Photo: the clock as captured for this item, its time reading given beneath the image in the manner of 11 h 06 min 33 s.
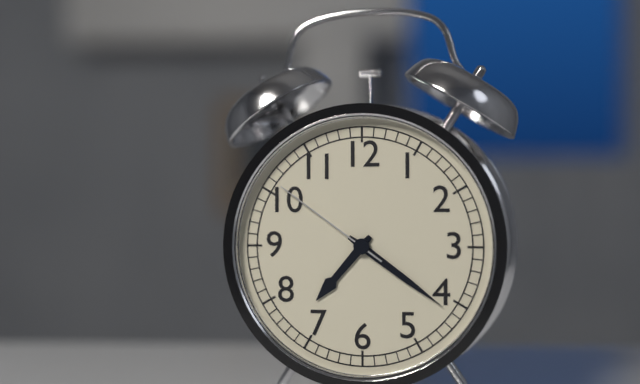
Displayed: 7 h 21 min 51 s
